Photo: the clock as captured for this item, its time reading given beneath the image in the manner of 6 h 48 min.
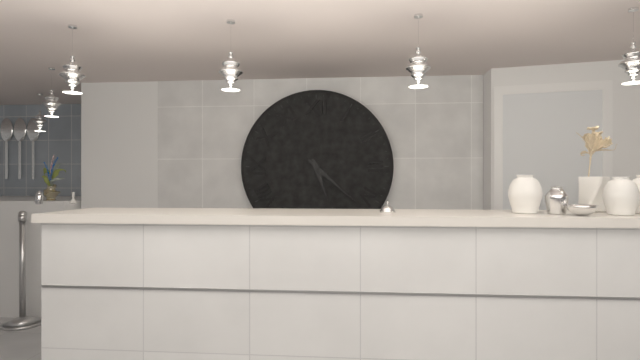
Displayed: 5 h 22 min
